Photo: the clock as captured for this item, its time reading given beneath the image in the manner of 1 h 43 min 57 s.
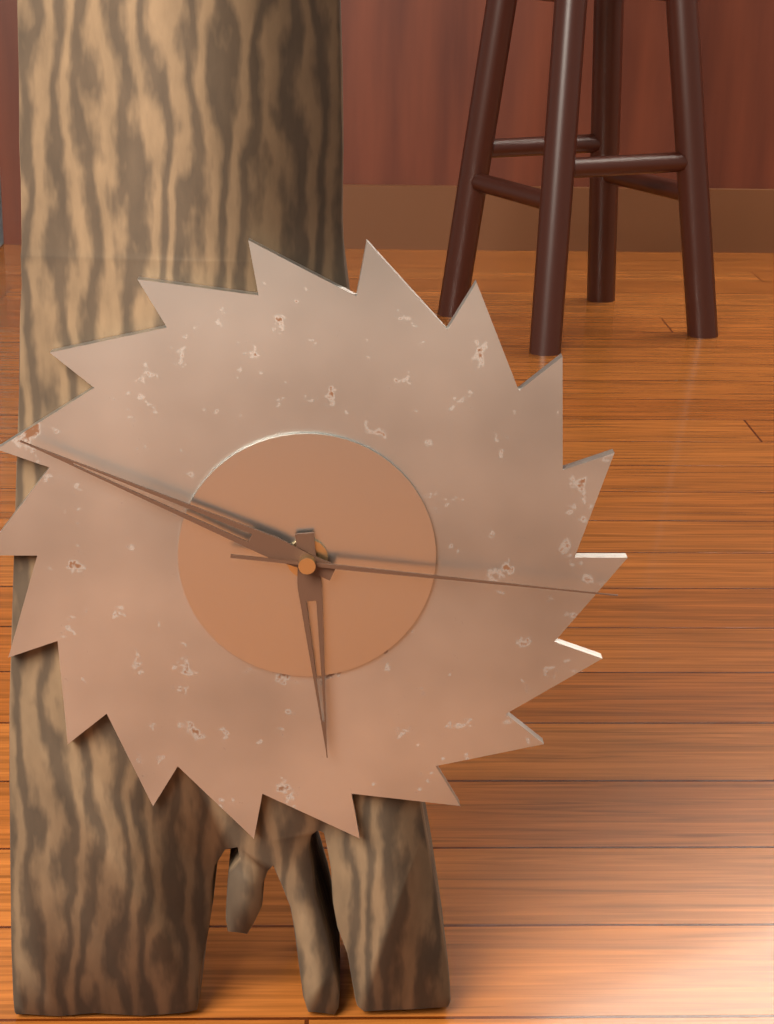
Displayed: 5 h 49 min 16 s
